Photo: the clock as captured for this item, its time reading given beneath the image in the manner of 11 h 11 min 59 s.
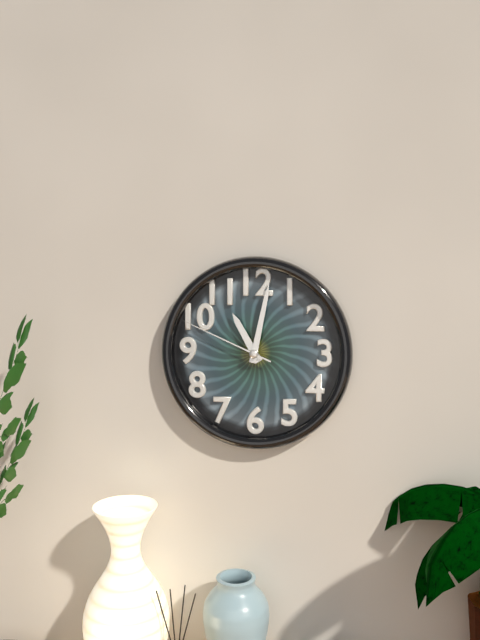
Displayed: 11 h 02 min 49 s
